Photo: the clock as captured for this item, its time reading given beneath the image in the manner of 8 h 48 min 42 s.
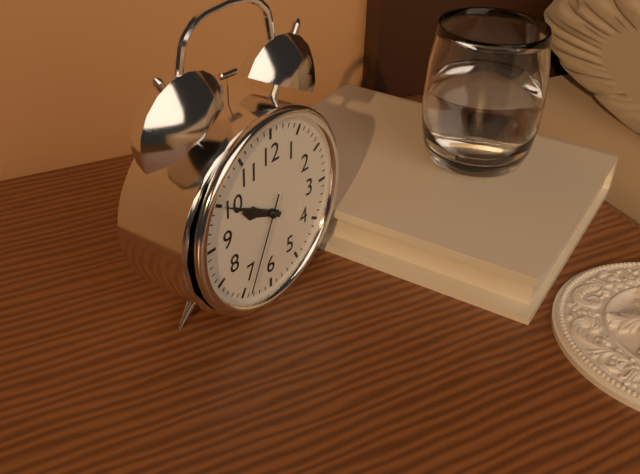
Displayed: 9 h 50 min 34 s
